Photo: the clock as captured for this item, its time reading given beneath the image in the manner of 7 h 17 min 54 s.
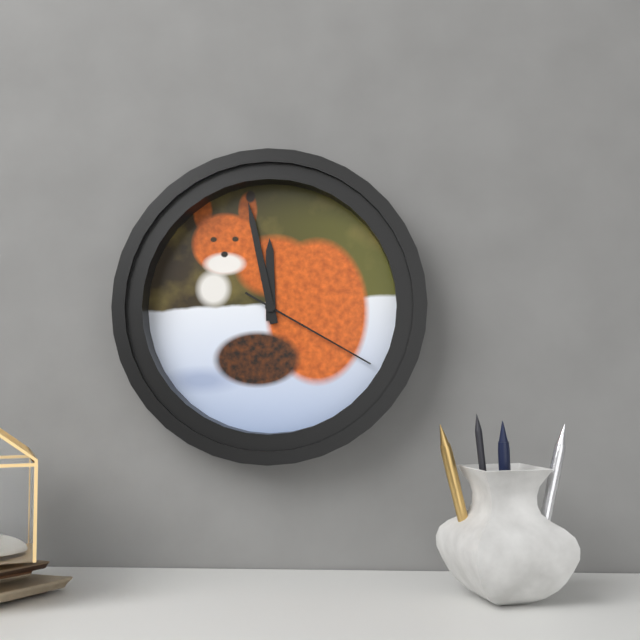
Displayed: 11 h 58 min 20 s
